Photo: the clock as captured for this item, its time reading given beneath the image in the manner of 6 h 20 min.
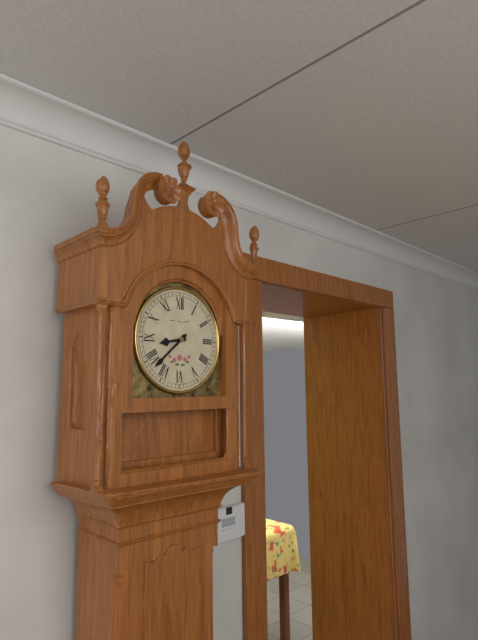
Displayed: 8 h 38 min
